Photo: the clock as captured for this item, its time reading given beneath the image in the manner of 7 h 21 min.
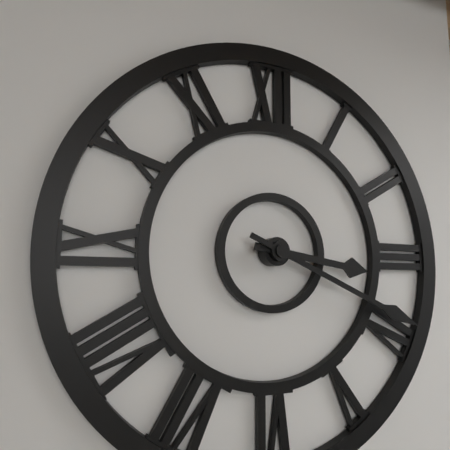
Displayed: 3 h 19 min
